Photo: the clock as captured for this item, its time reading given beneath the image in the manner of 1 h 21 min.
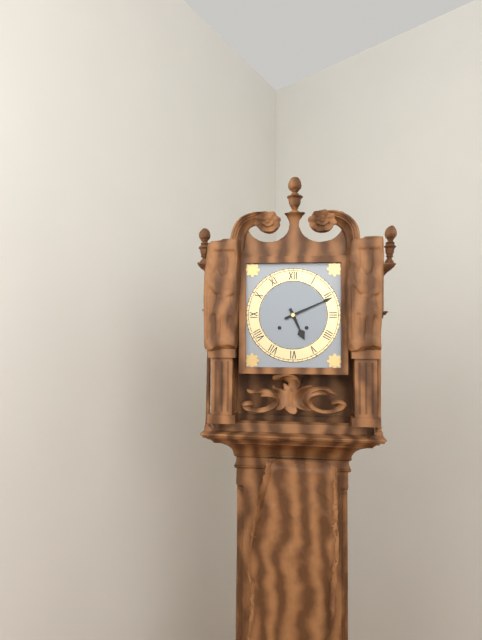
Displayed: 5 h 11 min
